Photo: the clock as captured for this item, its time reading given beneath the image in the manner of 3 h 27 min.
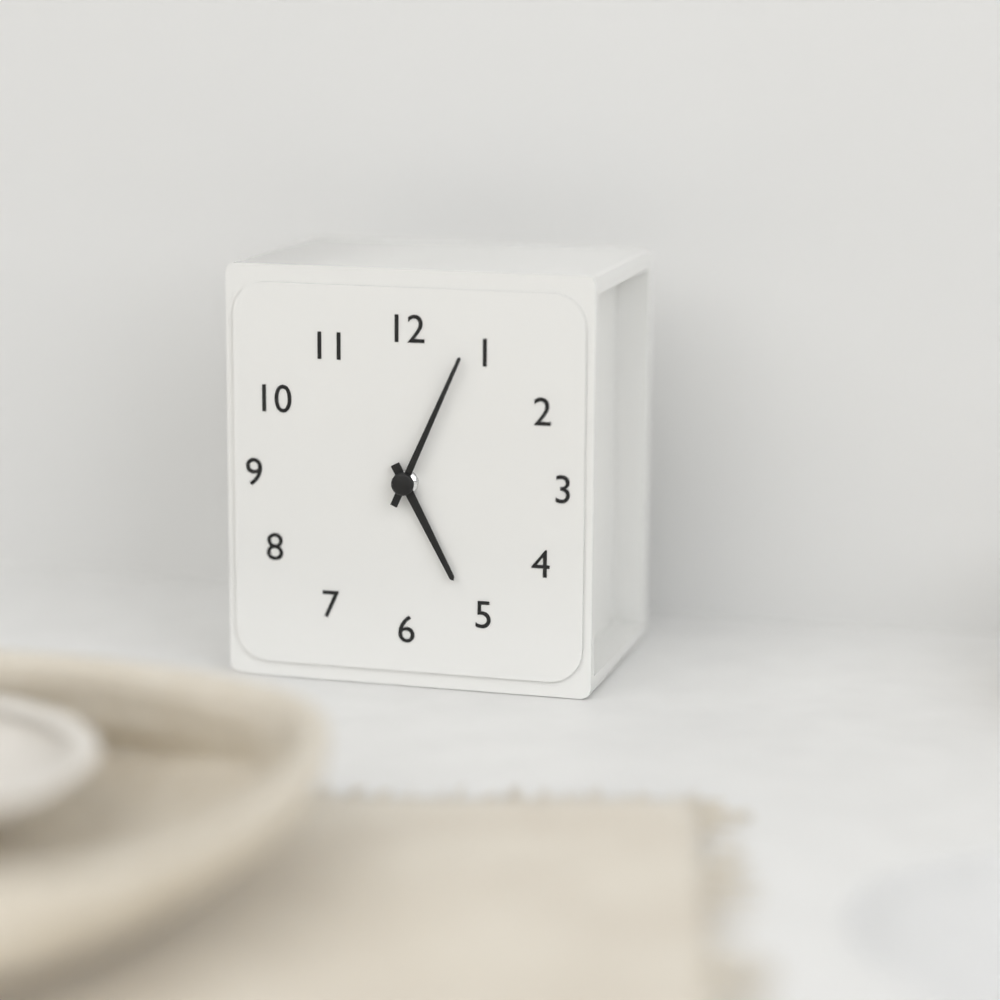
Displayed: 5 h 04 min
